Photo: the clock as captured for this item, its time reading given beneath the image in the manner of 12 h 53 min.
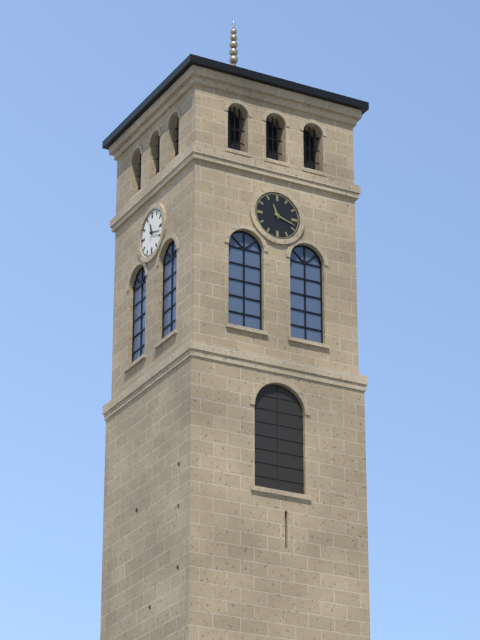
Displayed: 11 h 18 min
